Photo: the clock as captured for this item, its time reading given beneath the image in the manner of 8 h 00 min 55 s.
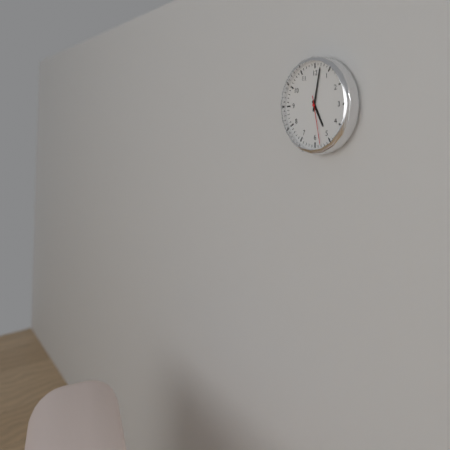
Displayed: 5 h 02 min 28 s
